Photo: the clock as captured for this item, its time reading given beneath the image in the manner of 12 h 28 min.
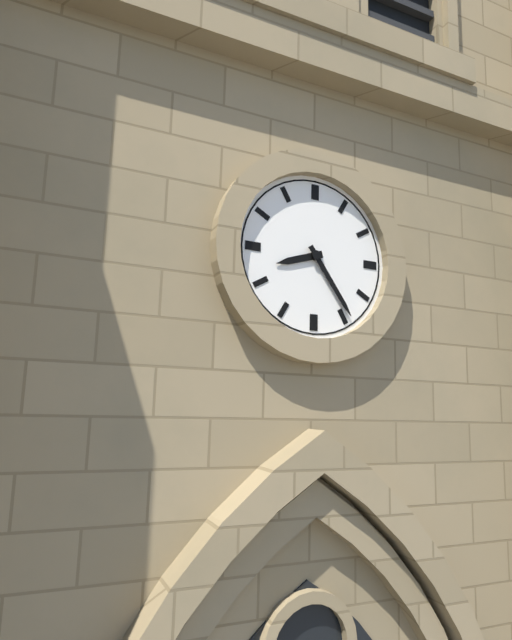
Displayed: 8 h 24 min
